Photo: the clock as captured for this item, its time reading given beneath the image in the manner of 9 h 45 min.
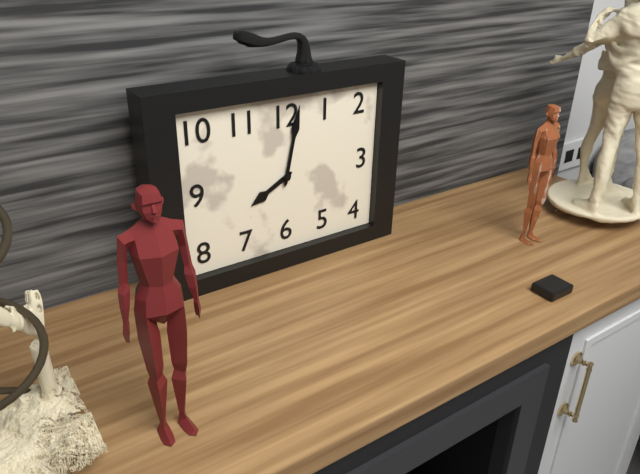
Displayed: 8 h 02 min
